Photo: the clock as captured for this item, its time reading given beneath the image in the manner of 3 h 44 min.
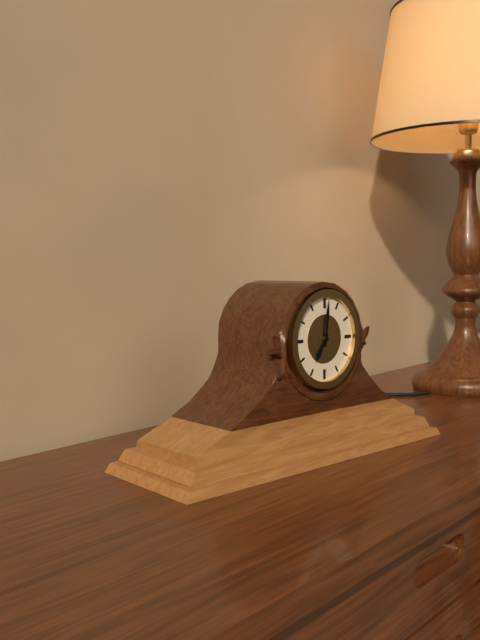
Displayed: 7 h 01 min
